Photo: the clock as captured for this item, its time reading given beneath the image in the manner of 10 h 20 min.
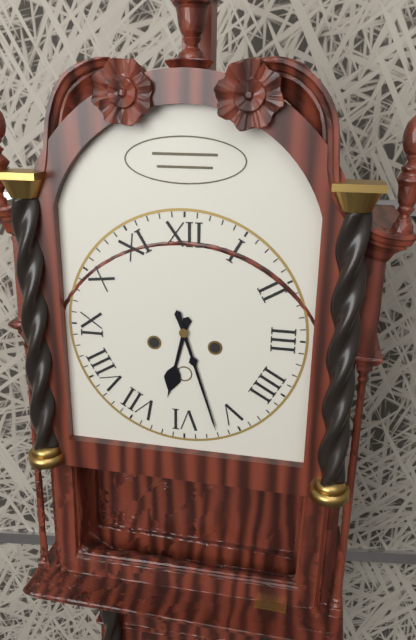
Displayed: 6 h 27 min
